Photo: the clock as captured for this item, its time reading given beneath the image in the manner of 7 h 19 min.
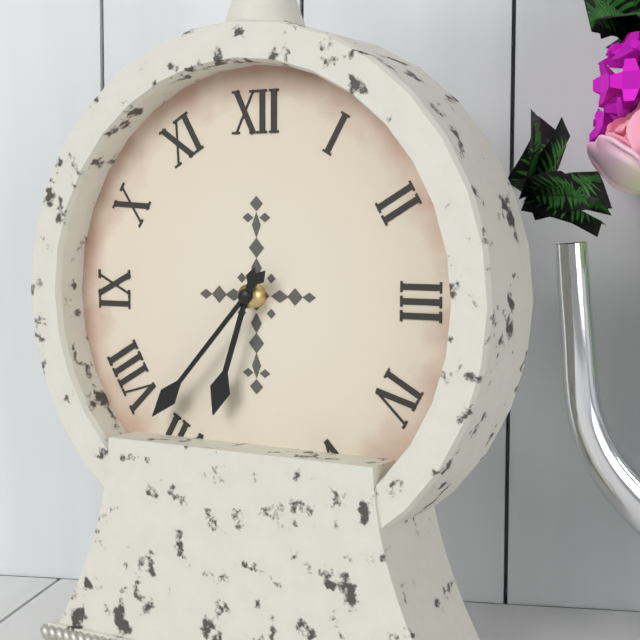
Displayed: 6 h 37 min
